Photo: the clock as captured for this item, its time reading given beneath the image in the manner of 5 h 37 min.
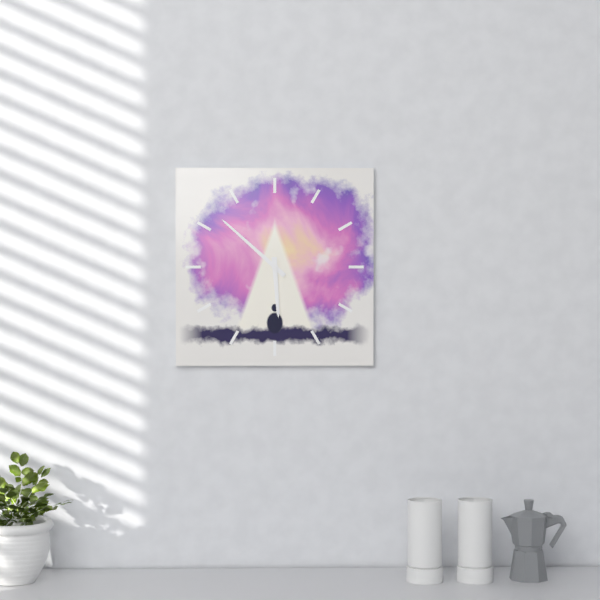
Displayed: 5 h 52 min
